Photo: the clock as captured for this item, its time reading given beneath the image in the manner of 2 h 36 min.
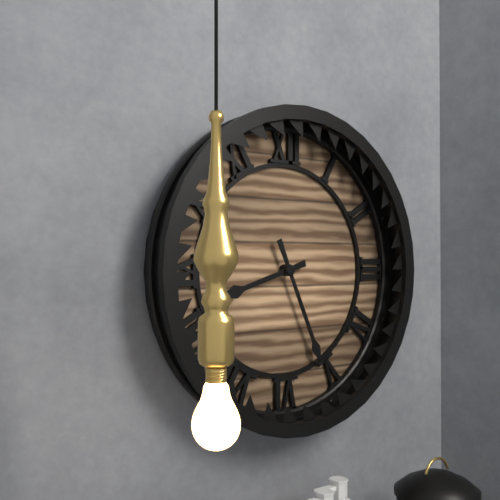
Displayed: 8 h 26 min
